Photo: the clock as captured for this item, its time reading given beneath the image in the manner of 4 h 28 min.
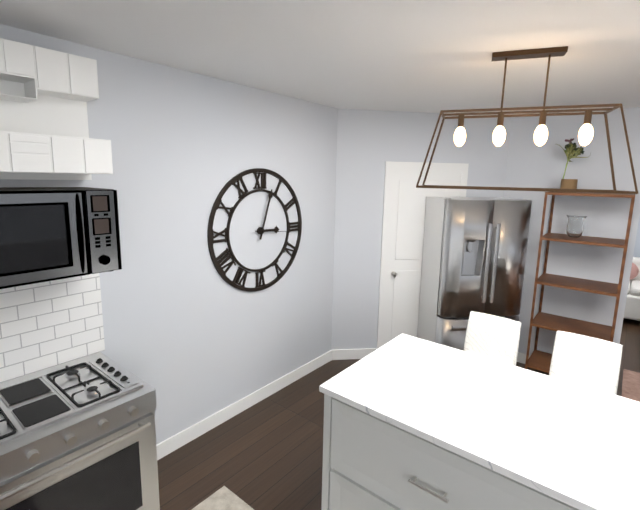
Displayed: 3 h 03 min
